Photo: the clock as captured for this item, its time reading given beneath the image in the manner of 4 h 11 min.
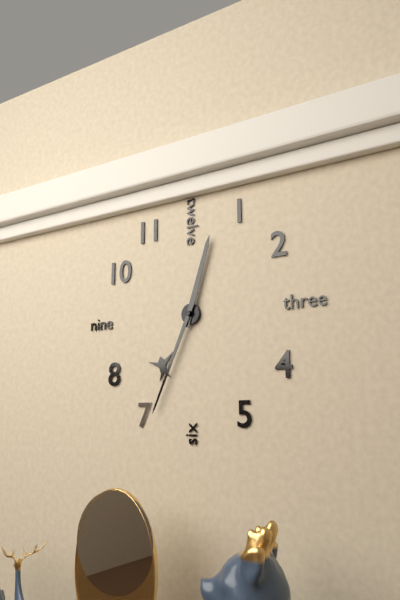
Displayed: 12 h 34 min
